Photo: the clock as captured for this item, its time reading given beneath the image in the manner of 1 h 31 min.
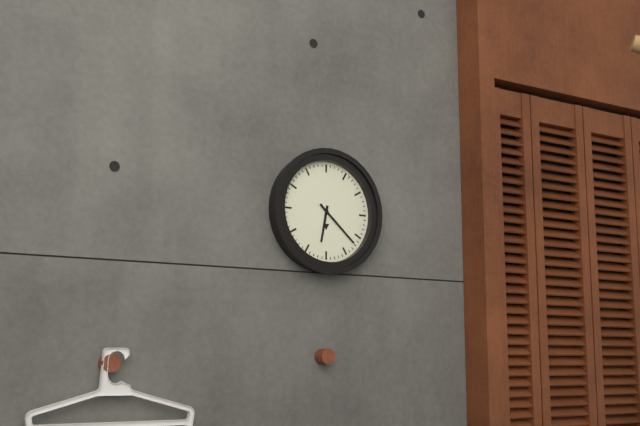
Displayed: 6 h 22 min
